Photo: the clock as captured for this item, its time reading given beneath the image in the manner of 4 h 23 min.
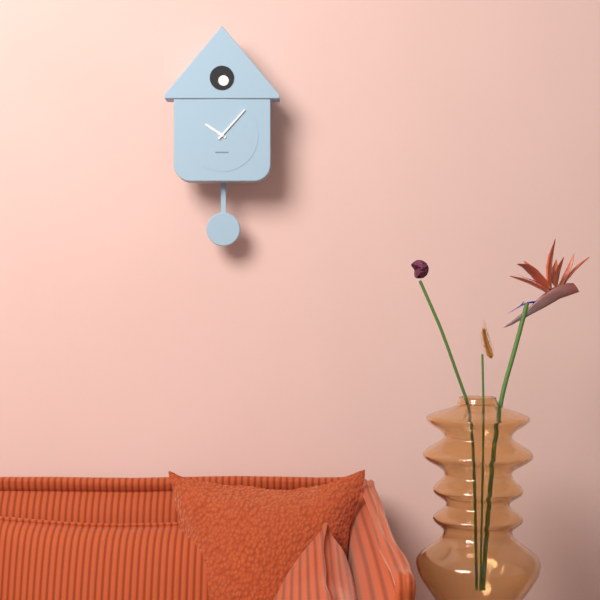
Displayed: 10 h 07 min
